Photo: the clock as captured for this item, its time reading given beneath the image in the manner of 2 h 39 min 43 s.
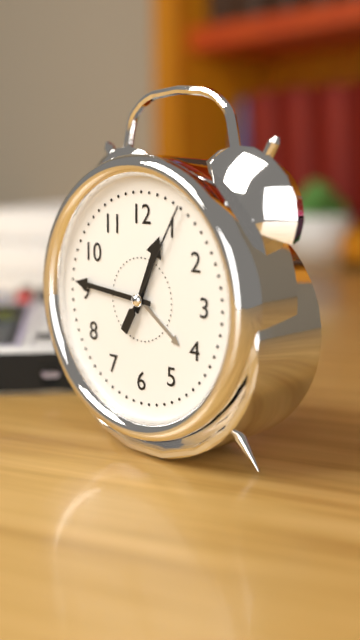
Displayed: 12 h 46 min 05 s
